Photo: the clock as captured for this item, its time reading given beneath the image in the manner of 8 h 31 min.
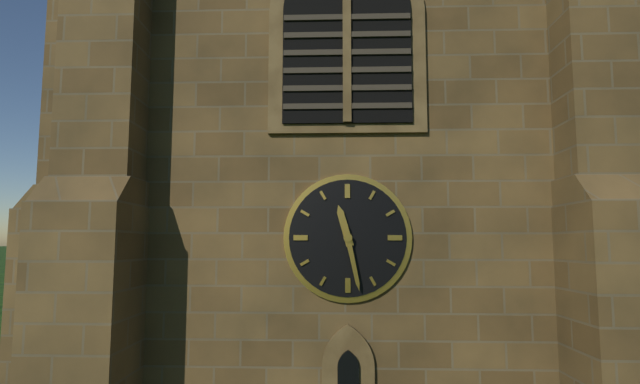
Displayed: 11 h 28 min
